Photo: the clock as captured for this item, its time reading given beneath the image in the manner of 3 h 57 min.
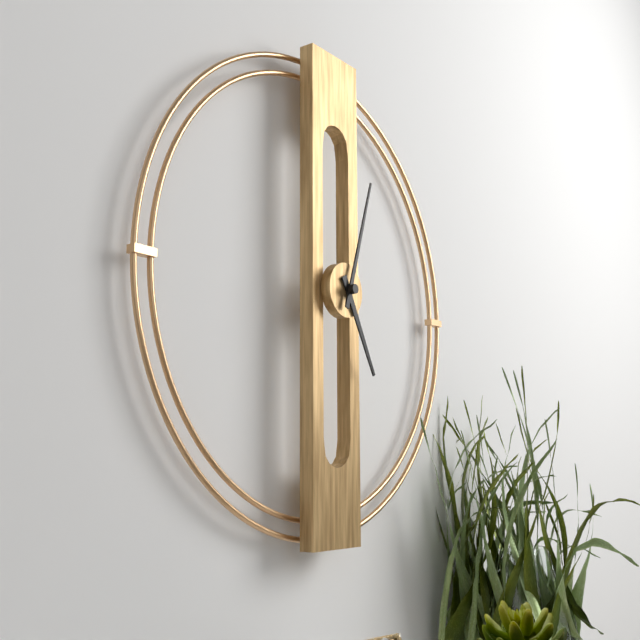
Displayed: 5 h 03 min
